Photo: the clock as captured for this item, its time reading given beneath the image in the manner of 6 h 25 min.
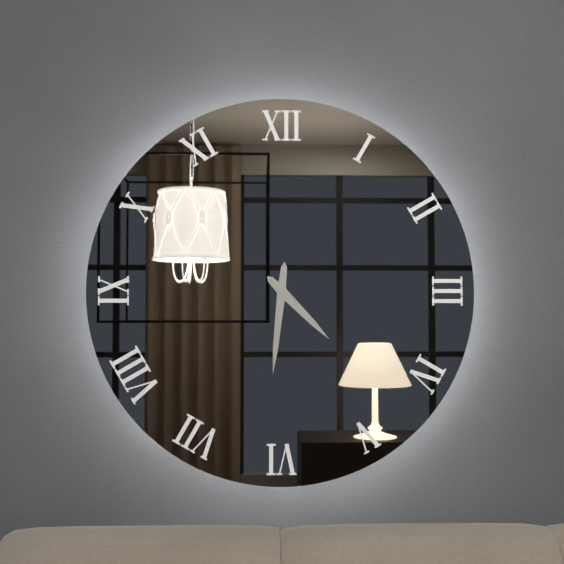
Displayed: 4 h 31 min
